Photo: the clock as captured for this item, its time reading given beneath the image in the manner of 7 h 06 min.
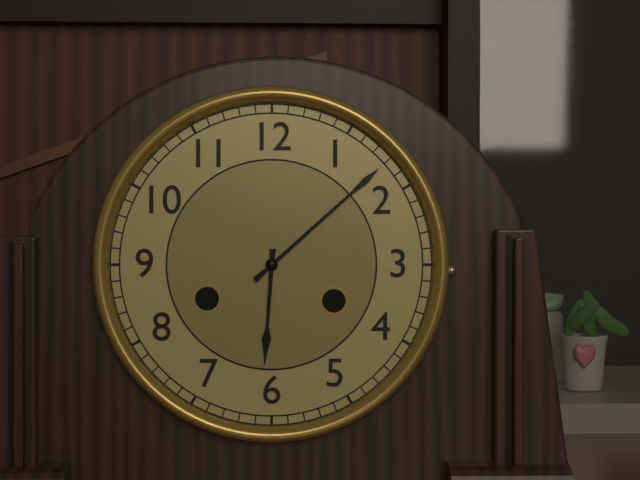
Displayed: 6 h 08 min
